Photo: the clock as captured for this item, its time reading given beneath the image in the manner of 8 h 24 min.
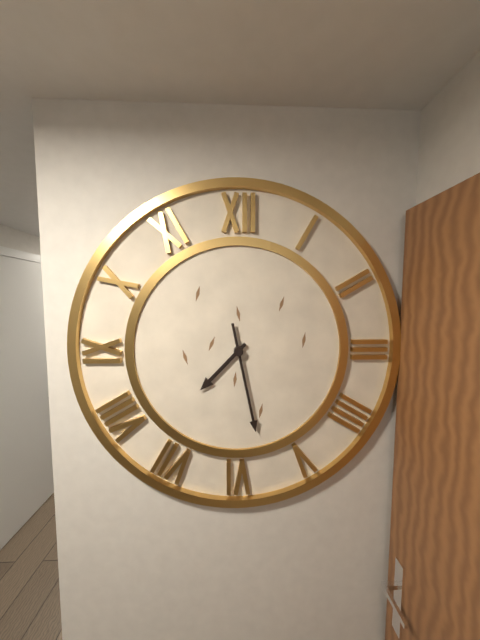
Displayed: 7 h 28 min
